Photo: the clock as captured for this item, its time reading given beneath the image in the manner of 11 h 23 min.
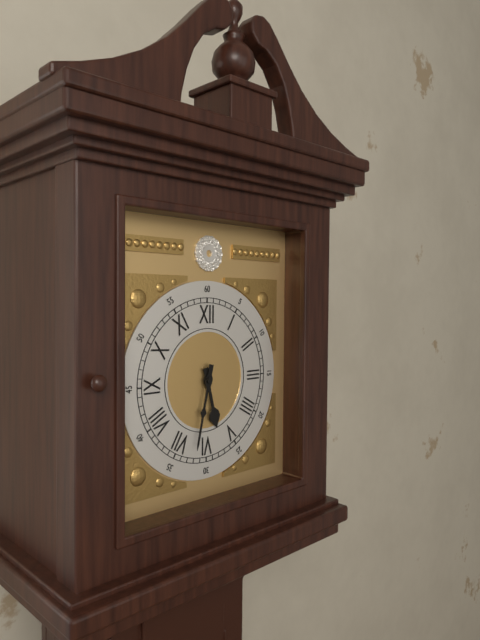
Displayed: 5 h 32 min
